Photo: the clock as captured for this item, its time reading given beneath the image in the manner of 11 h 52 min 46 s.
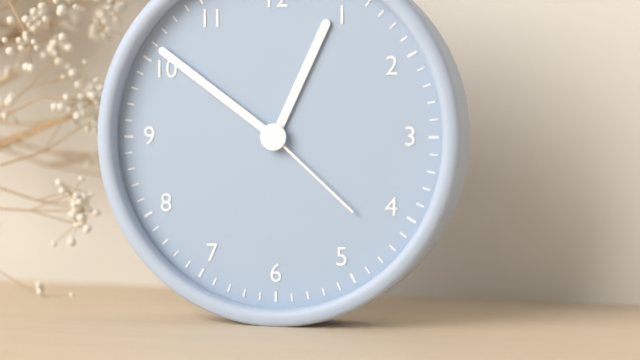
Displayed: 12 h 51 min 22 s
